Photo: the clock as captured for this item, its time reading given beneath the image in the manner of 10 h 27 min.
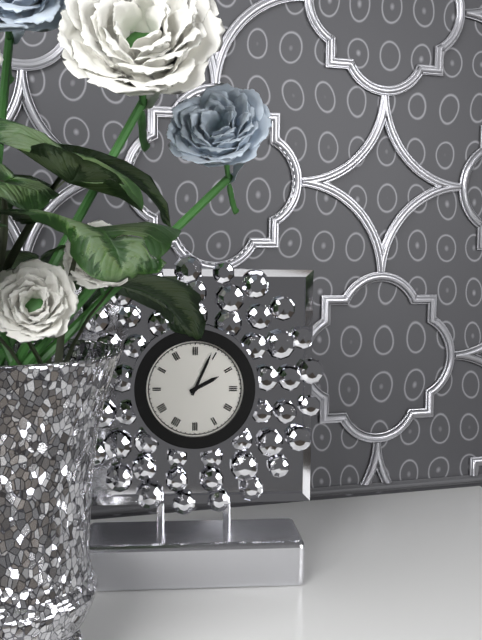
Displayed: 2 h 04 min
